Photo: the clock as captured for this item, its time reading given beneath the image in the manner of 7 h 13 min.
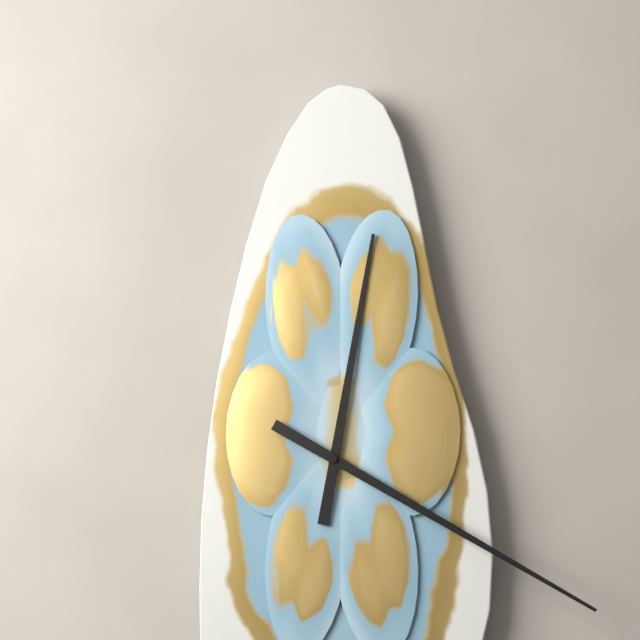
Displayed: 12 h 20 min
